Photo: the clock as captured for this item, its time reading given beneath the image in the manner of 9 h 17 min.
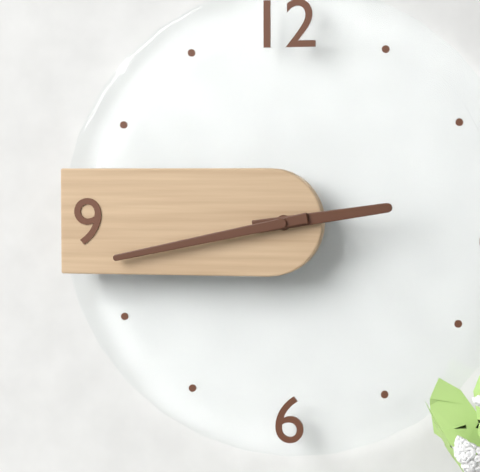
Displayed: 2 h 43 min
